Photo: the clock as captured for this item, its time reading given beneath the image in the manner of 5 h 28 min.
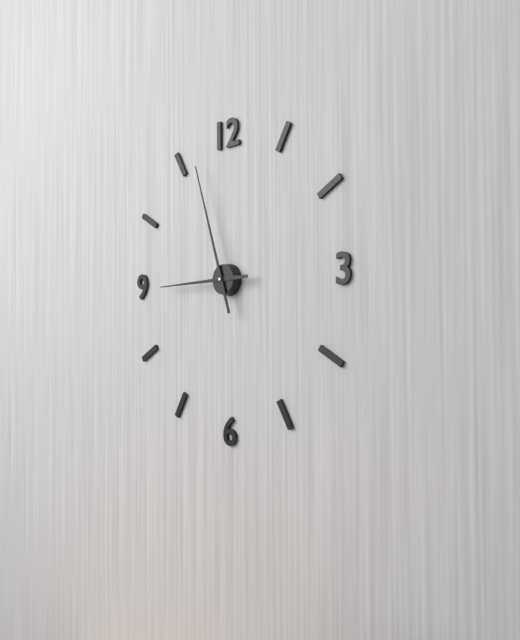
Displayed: 8 h 57 min
